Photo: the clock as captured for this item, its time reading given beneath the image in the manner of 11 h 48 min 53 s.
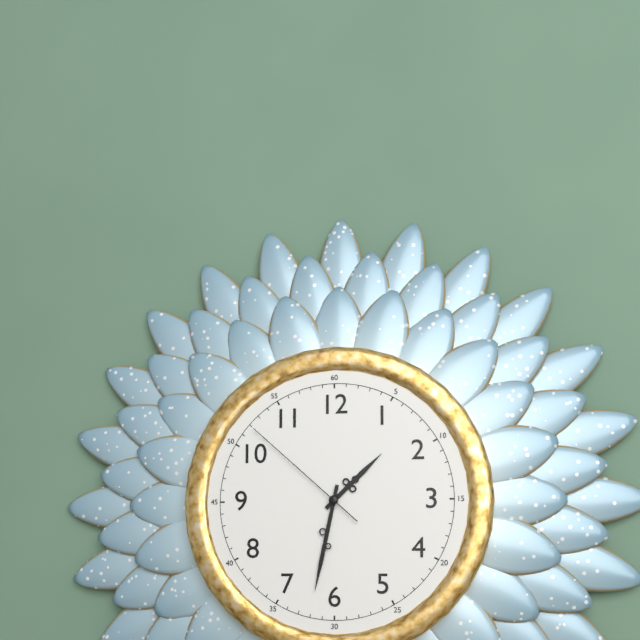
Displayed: 1 h 32 min 52 s
